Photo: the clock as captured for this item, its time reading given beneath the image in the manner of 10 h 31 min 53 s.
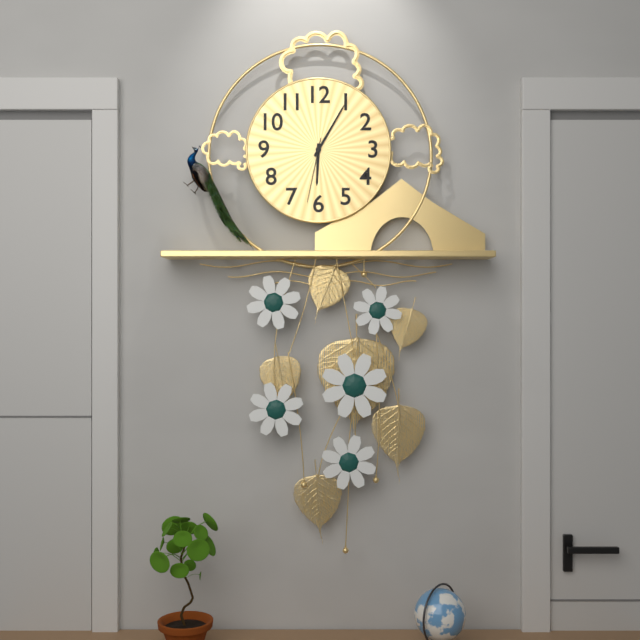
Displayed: 6 h 05 min 32 s
